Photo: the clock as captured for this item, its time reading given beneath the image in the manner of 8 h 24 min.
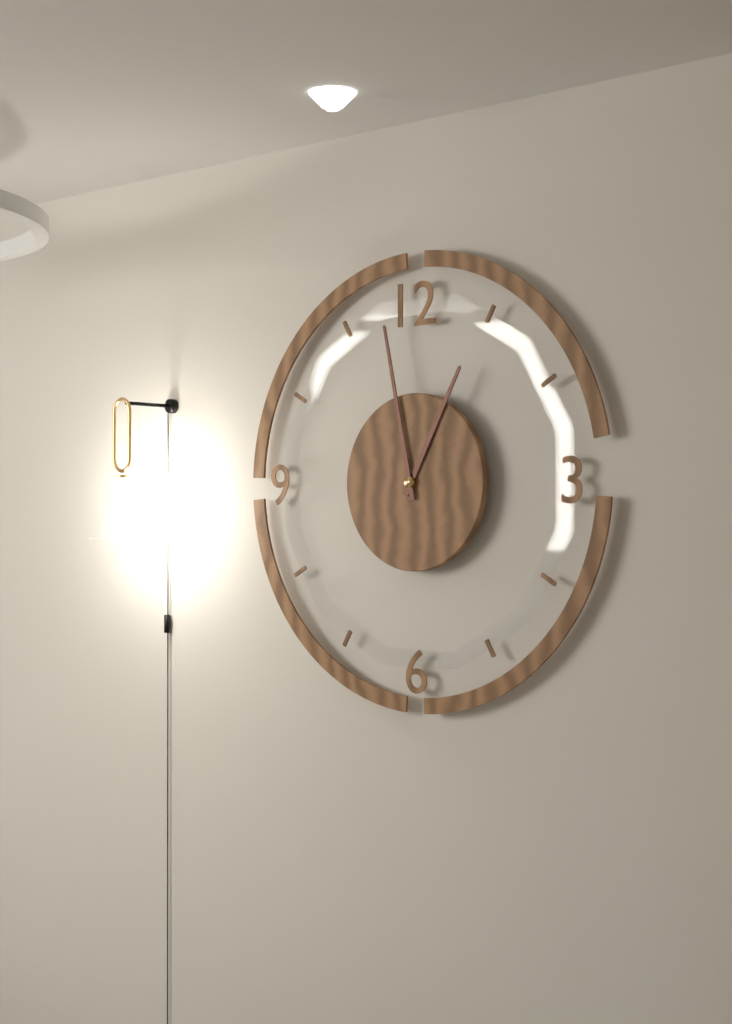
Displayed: 12 h 58 min
